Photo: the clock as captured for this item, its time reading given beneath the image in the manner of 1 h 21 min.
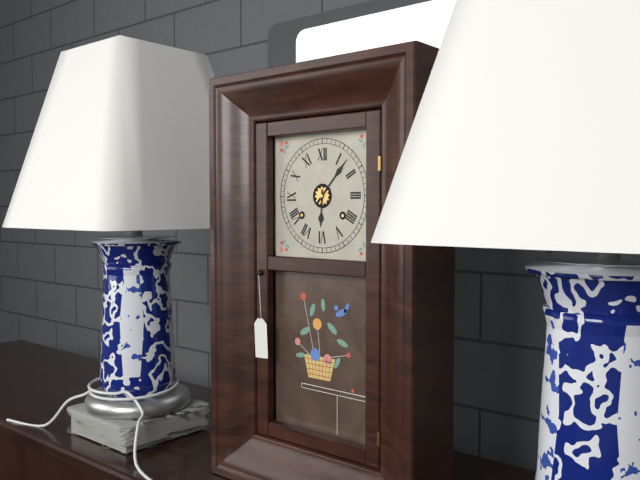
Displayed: 6 h 07 min
